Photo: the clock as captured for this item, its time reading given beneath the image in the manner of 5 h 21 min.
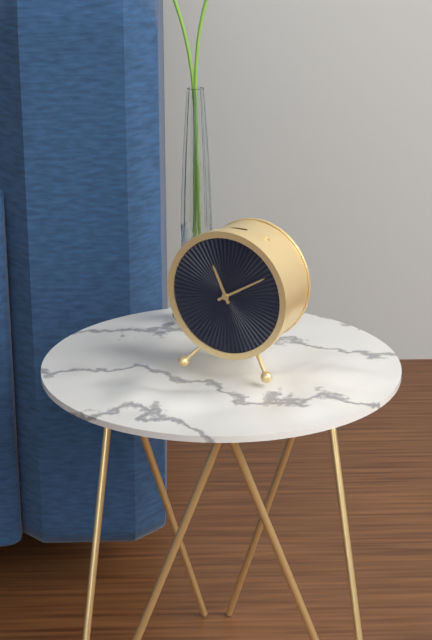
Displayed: 11 h 10 min
